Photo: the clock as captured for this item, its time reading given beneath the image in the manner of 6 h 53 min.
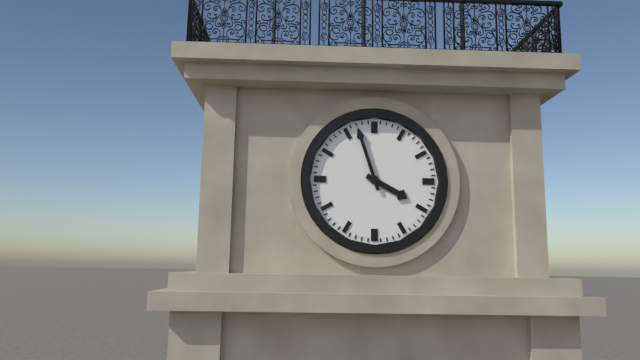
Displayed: 3 h 57 min
